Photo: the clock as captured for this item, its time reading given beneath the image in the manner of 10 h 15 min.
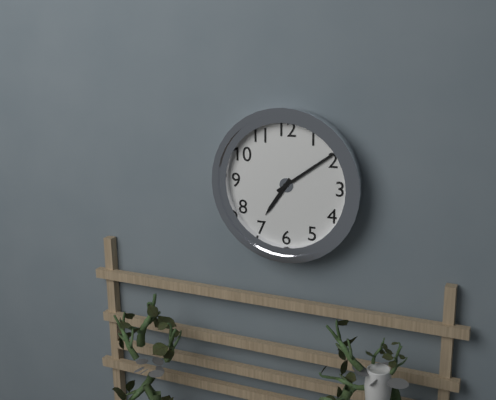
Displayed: 7 h 09 min
